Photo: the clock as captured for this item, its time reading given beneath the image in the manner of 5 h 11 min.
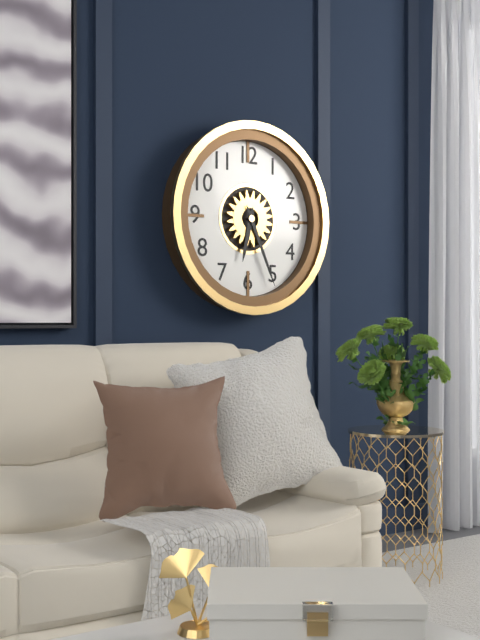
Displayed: 6 h 26 min
